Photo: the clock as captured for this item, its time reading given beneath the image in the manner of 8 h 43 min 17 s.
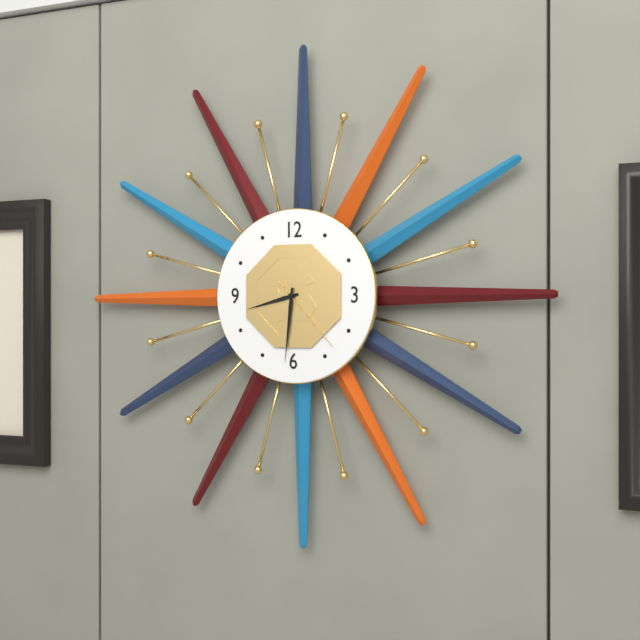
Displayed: 8 h 31 min 23 s
